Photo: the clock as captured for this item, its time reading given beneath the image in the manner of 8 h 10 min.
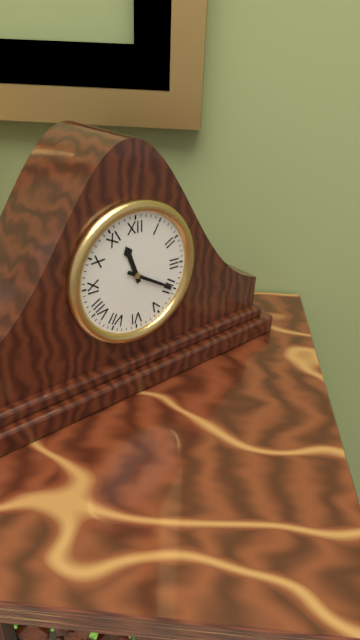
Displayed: 11 h 20 min
